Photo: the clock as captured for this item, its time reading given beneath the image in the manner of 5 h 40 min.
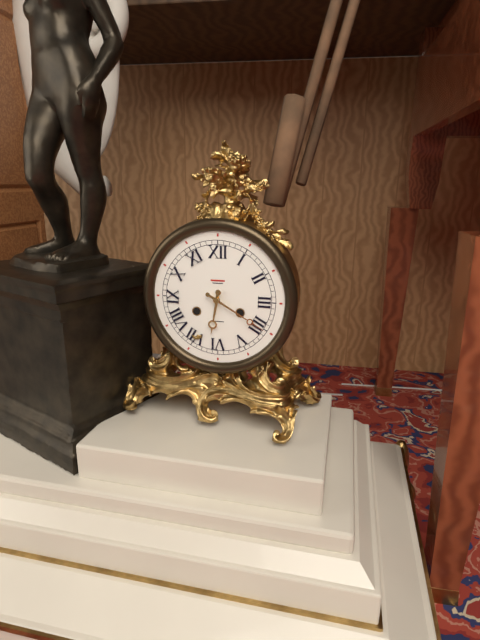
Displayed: 6 h 20 min
